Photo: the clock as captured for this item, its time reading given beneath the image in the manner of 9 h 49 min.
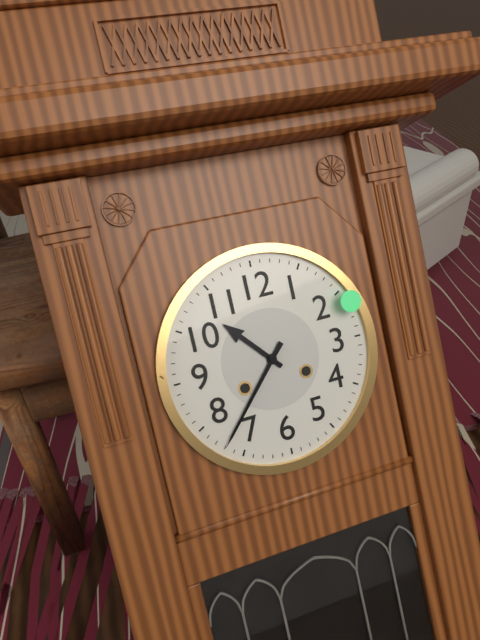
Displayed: 10 h 37 min
